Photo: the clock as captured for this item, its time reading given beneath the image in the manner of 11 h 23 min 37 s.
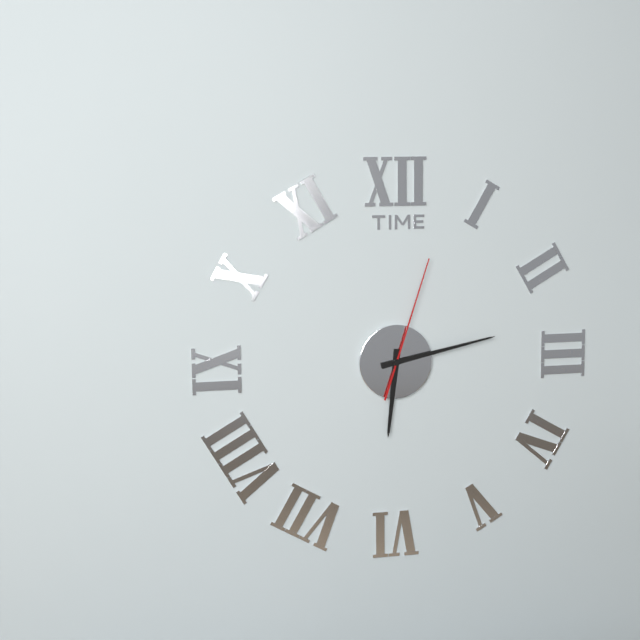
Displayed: 6 h 13 min 03 s
